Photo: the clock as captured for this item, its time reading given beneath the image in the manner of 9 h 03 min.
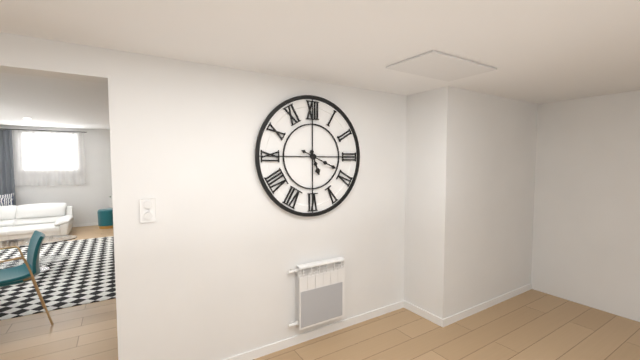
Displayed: 5 h 19 min
